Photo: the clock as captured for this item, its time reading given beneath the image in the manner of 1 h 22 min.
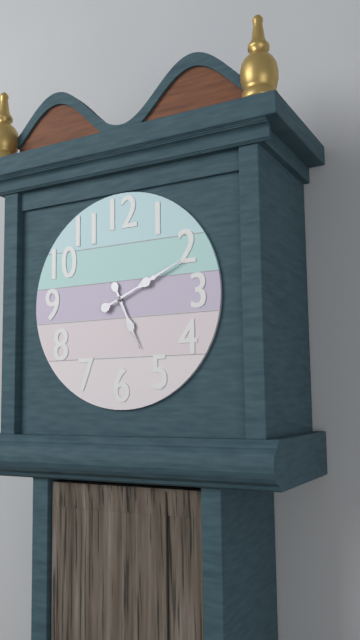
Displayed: 5 h 11 min
